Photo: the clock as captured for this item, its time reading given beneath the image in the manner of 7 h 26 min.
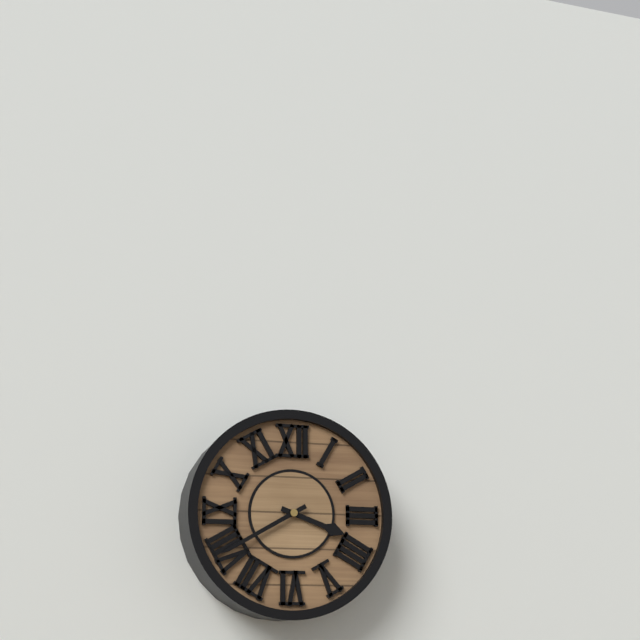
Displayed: 3 h 40 min
